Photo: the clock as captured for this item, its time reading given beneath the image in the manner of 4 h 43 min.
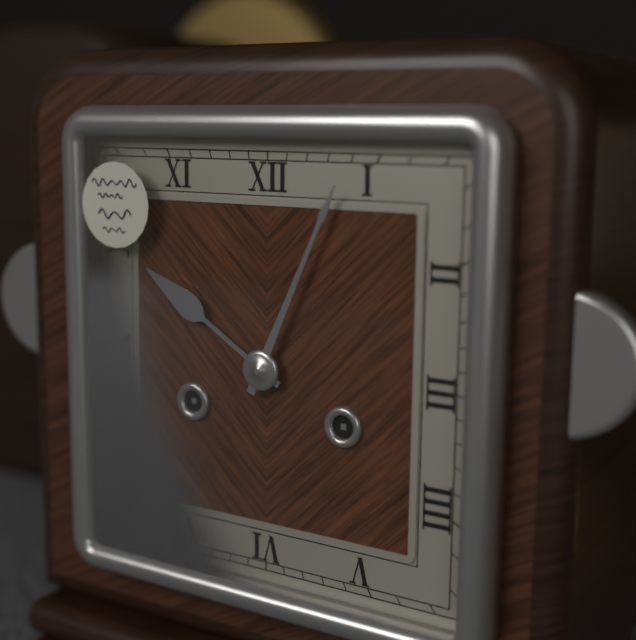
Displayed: 10 h 04 min
